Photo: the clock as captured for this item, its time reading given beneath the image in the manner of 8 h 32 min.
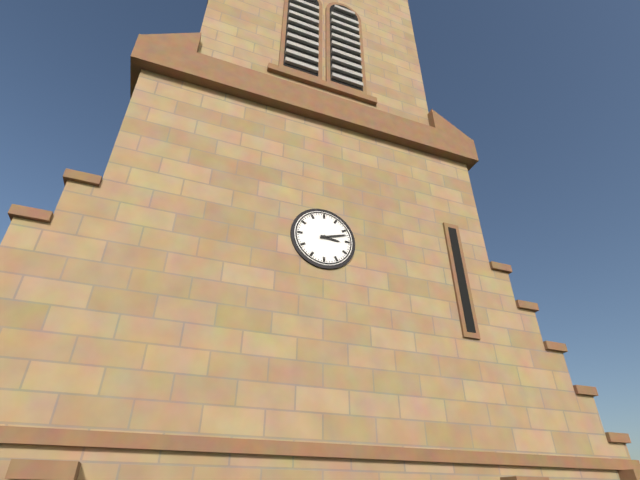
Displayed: 3 h 12 min
